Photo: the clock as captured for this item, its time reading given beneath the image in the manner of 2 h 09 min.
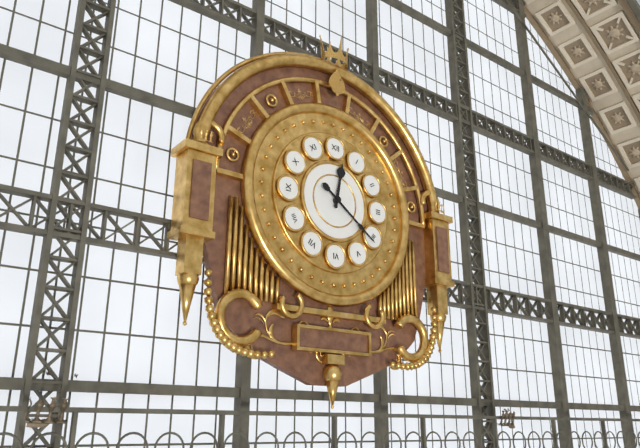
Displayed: 12 h 21 min
